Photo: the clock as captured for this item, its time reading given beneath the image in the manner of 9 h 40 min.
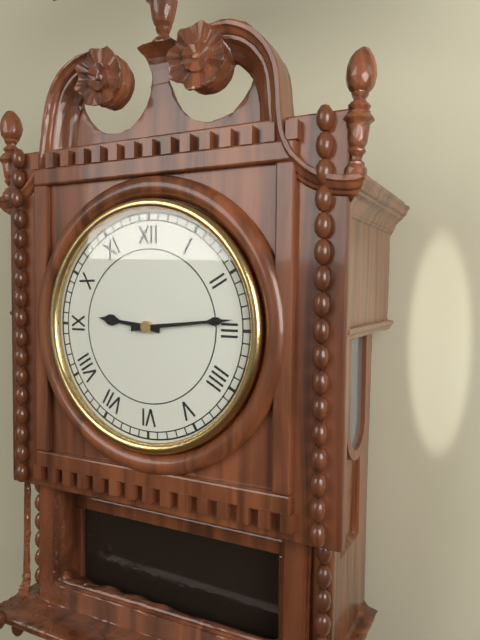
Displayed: 9 h 14 min
